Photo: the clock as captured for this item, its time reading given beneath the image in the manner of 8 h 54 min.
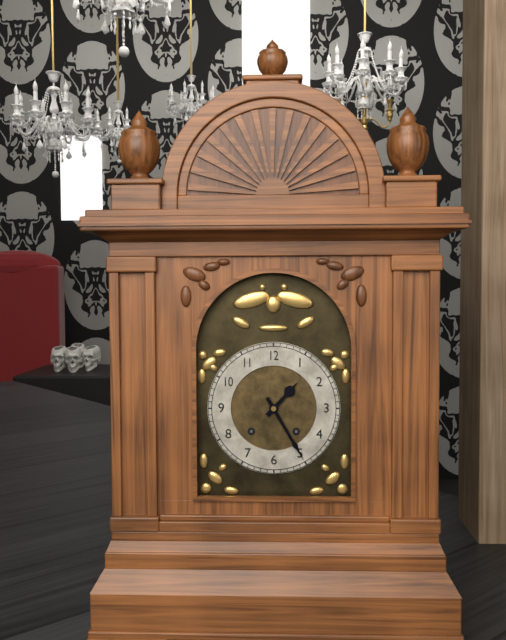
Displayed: 1 h 25 min
